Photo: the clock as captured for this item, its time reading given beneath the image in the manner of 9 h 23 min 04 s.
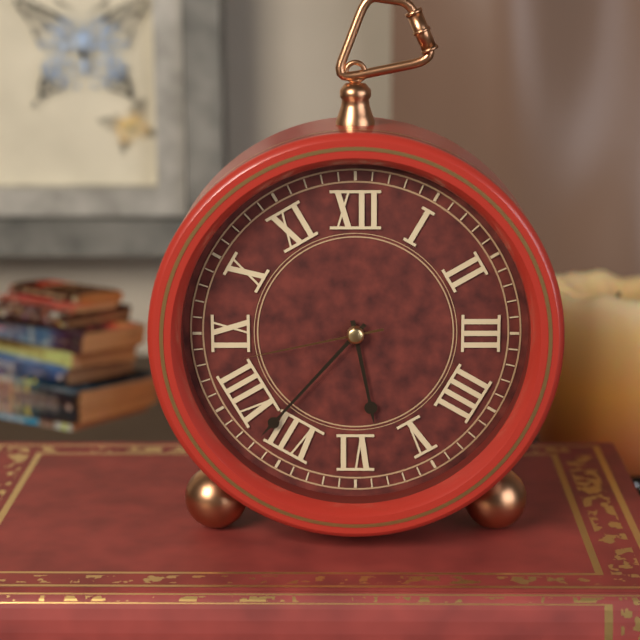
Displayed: 5 h 37 min 43 s
